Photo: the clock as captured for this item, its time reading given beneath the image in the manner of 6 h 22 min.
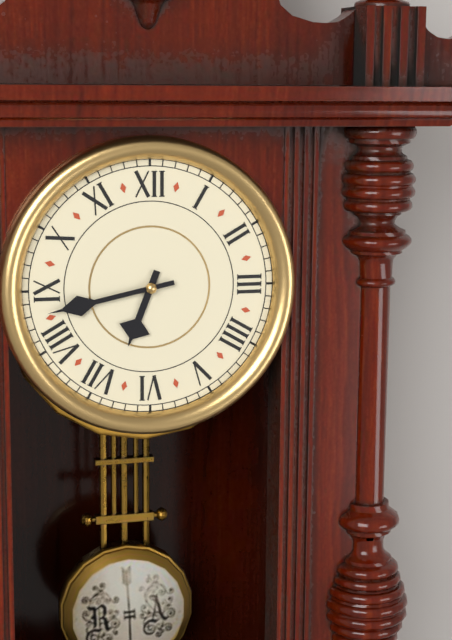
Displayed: 6 h 43 min
